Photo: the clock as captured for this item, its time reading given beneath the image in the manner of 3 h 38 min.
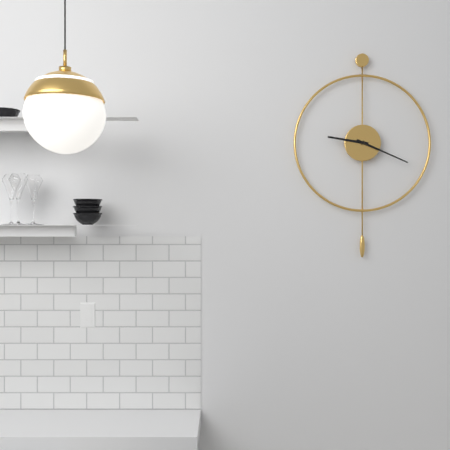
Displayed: 9 h 19 min
